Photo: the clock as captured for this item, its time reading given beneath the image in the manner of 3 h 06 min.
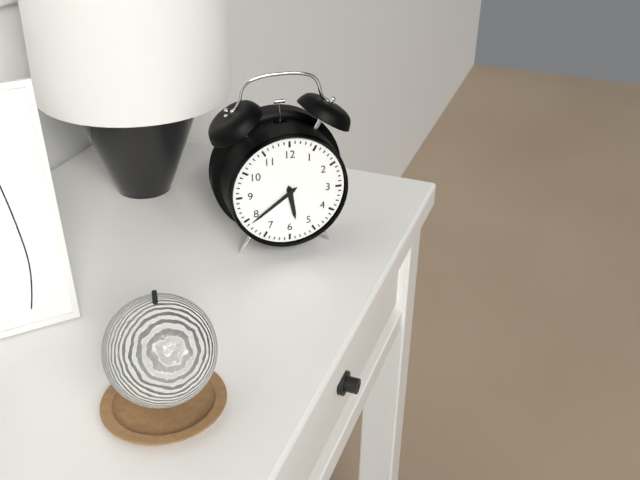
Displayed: 5 h 39 min
